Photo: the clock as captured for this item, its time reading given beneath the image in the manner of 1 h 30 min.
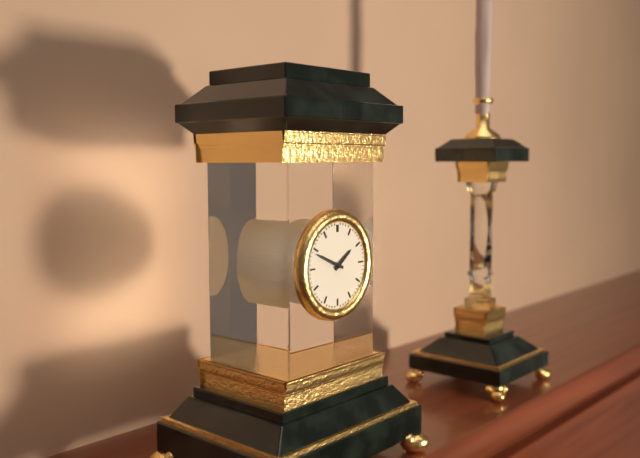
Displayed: 1 h 49 min
